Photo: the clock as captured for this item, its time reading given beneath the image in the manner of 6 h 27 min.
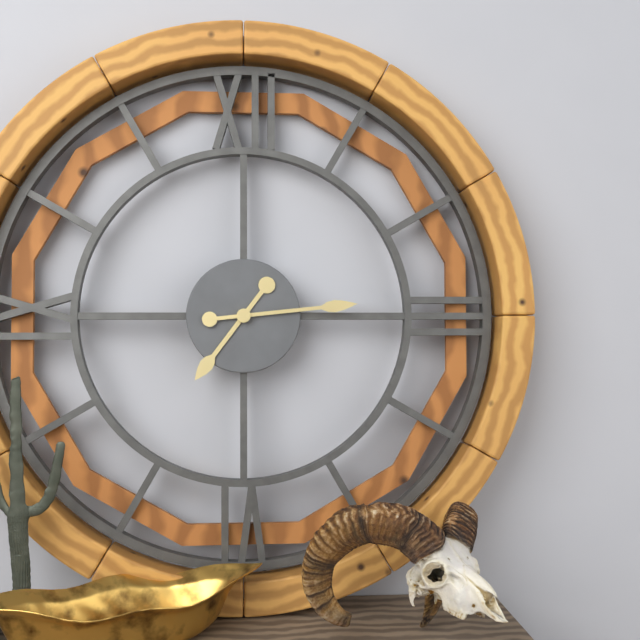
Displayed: 7 h 14 min
